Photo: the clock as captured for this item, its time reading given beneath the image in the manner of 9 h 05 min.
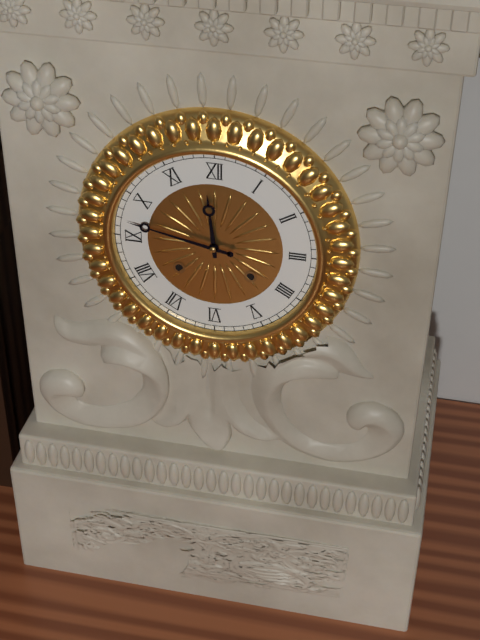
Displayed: 11 h 47 min
